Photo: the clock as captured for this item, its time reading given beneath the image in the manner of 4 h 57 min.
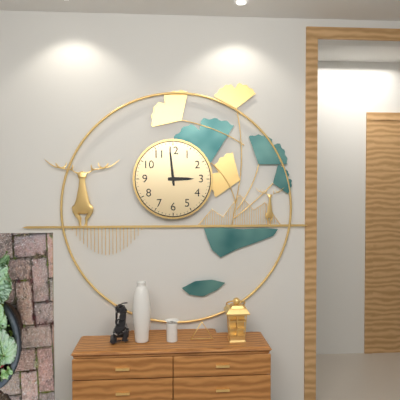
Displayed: 2 h 59 min
